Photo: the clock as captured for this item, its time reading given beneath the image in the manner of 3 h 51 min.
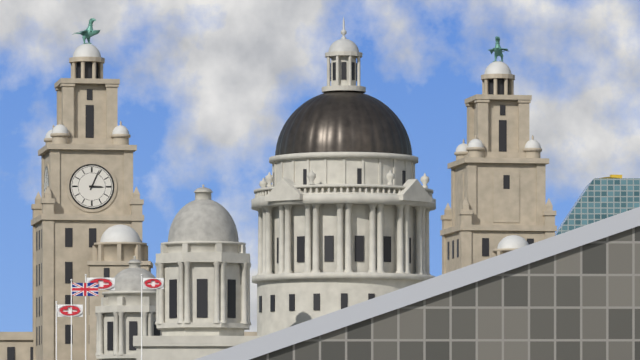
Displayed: 3 h 04 min
